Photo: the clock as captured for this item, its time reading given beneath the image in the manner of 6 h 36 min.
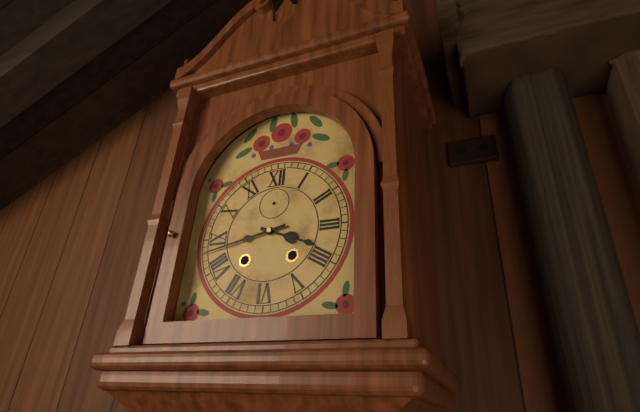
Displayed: 3 h 43 min
